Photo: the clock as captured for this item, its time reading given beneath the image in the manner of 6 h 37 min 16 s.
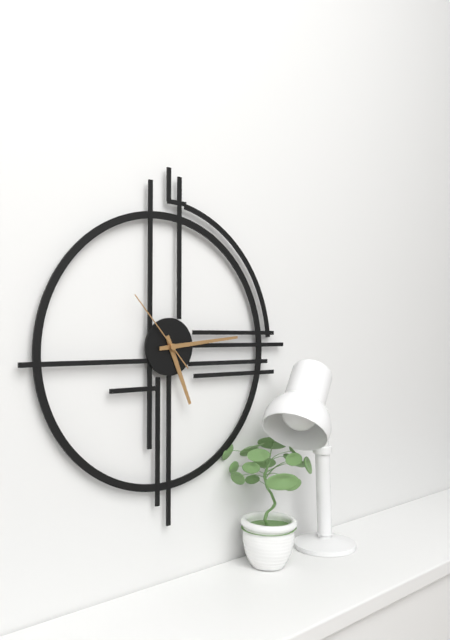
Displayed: 5 h 14 min 53 s
